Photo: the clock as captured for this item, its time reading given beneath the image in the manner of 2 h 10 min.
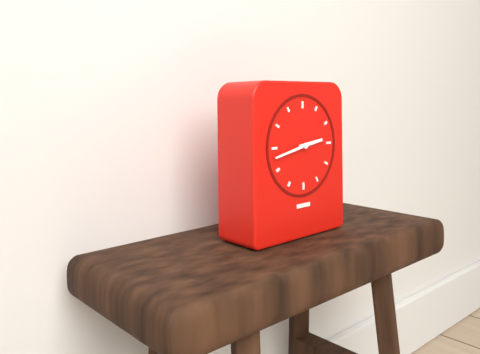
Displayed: 2 h 43 min
